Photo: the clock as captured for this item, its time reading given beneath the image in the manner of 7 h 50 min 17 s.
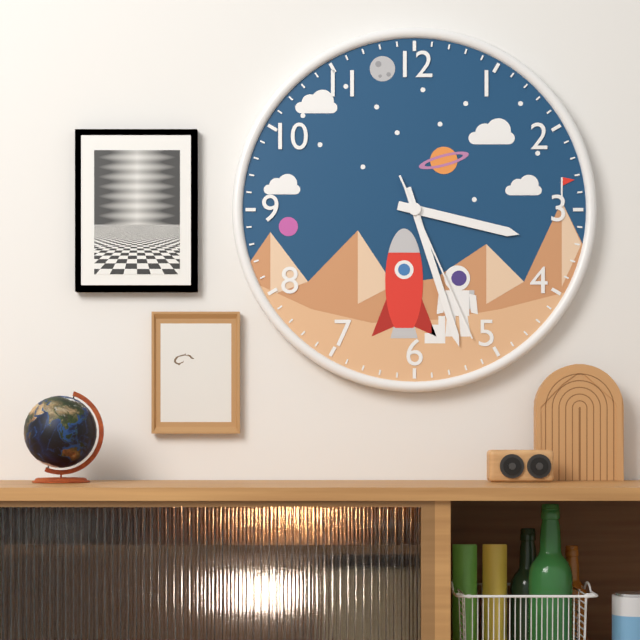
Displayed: 3 h 27 min 26 s
